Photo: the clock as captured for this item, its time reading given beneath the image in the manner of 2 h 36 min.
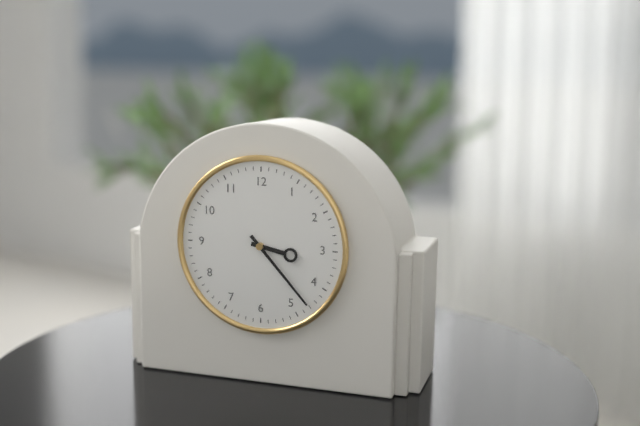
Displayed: 3 h 23 min
